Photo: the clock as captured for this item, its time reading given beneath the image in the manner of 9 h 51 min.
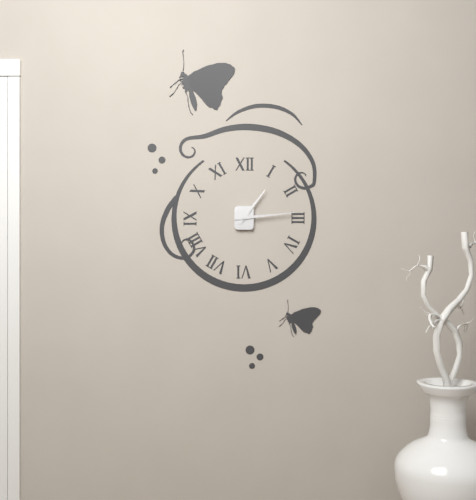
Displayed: 1 h 14 min
